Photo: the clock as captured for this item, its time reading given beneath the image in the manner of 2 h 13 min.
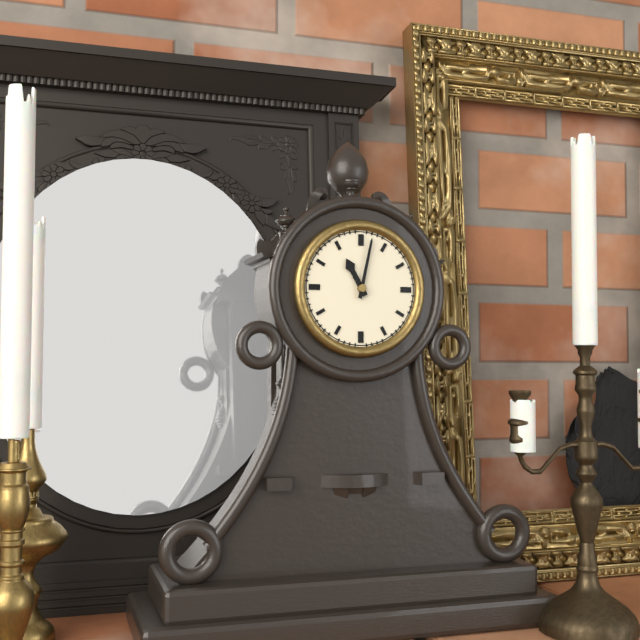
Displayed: 11 h 02 min
